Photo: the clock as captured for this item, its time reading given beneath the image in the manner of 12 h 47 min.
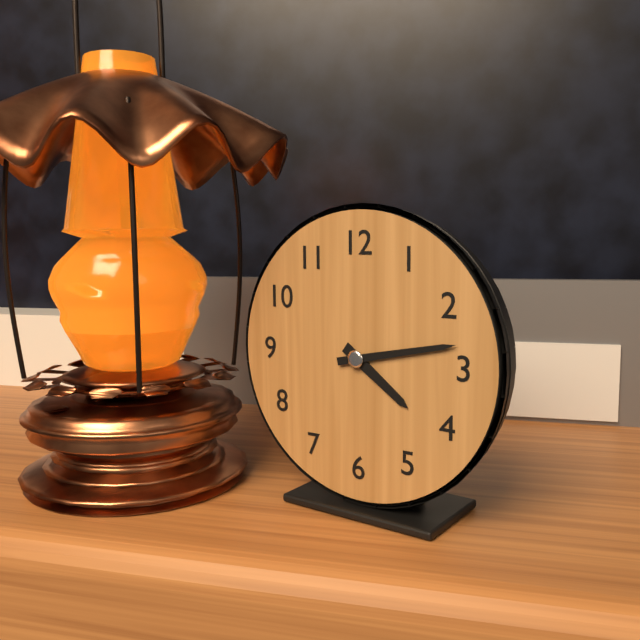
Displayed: 4 h 13 min
